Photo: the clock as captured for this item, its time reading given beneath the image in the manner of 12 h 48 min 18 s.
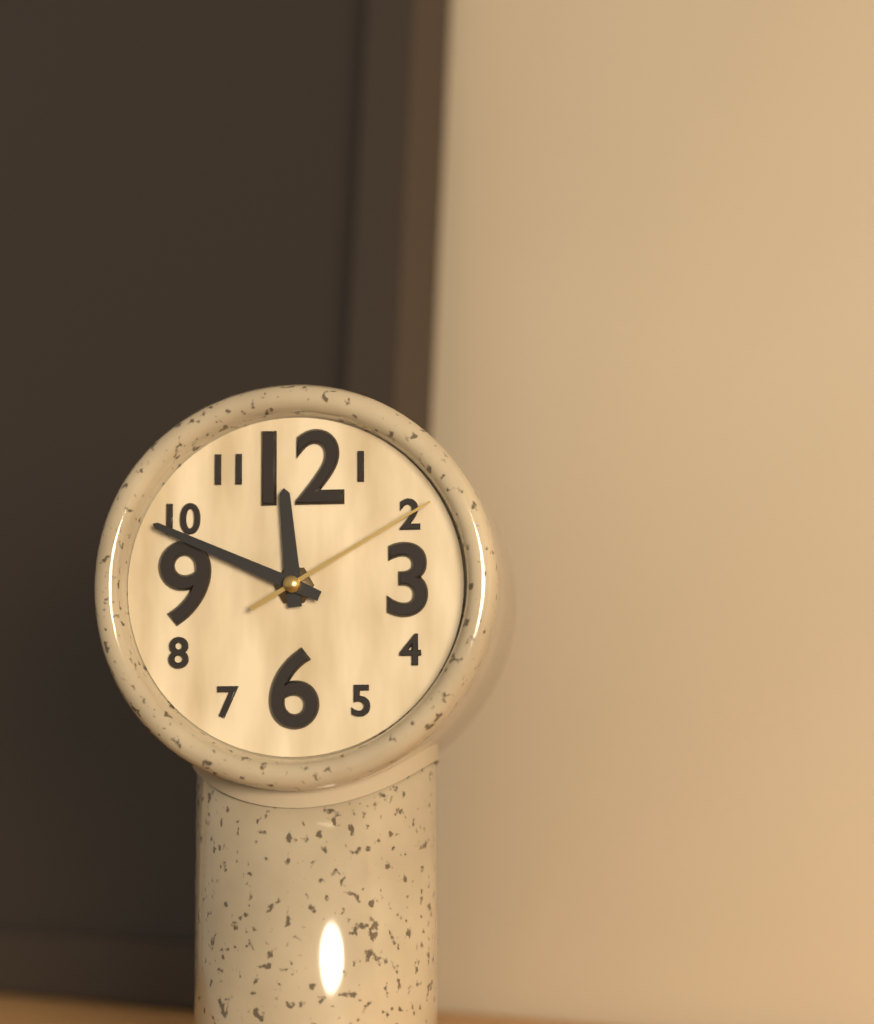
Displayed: 11 h 49 min 10 s
